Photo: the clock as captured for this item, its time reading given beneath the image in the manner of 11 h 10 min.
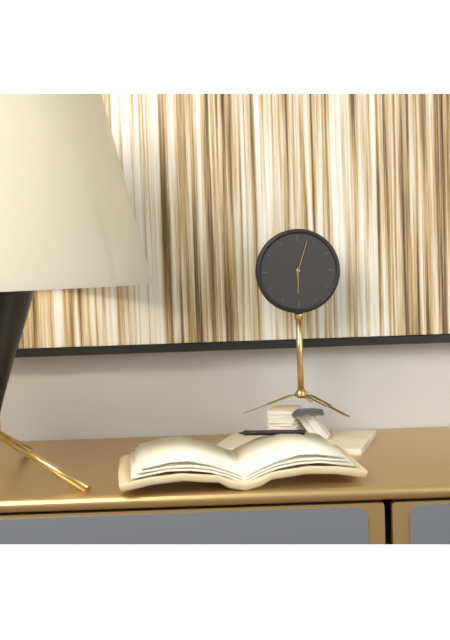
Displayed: 6 h 03 min
